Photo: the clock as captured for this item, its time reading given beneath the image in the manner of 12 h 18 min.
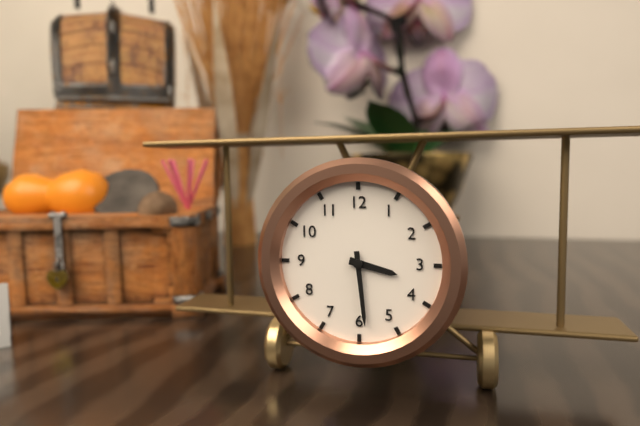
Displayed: 3 h 29 min
